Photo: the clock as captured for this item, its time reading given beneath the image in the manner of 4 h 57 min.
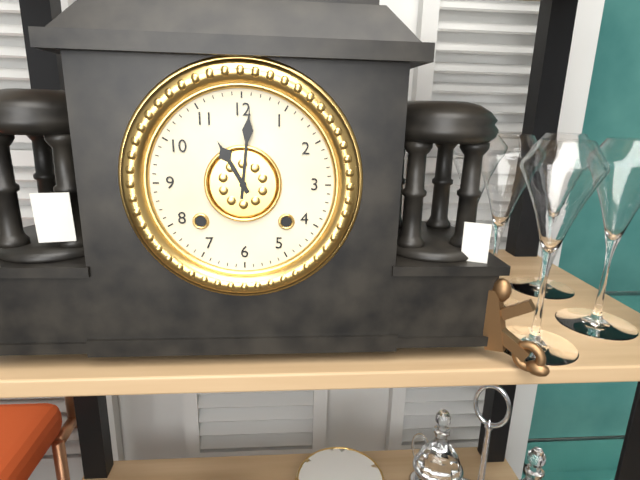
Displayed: 11 h 01 min
